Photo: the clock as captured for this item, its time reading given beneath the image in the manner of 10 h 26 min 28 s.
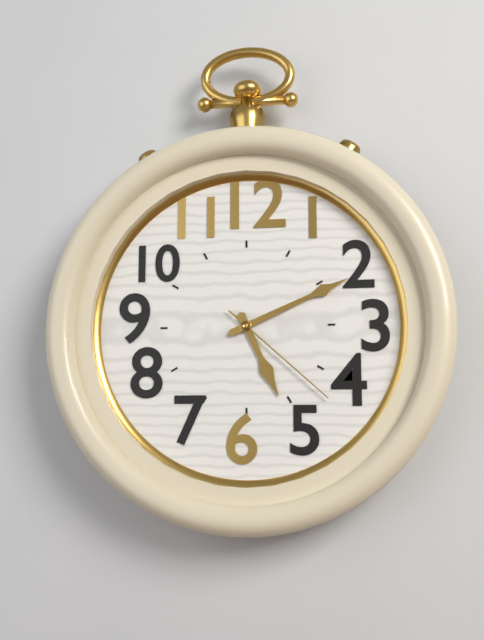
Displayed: 5 h 11 min 22 s
